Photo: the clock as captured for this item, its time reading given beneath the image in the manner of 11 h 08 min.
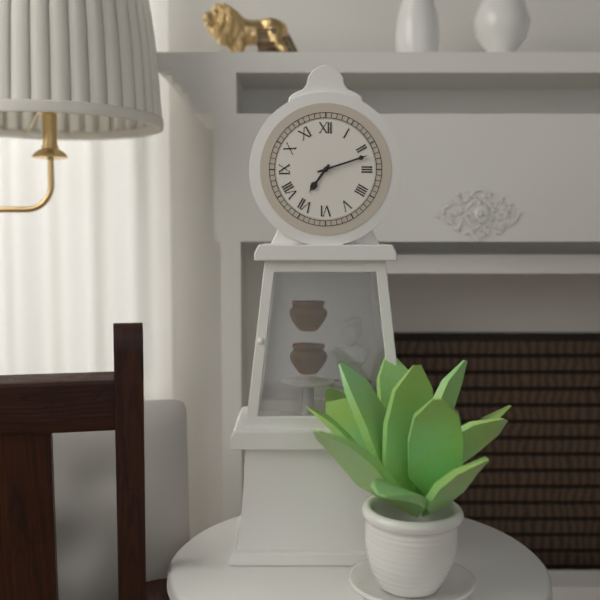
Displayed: 7 h 12 min
